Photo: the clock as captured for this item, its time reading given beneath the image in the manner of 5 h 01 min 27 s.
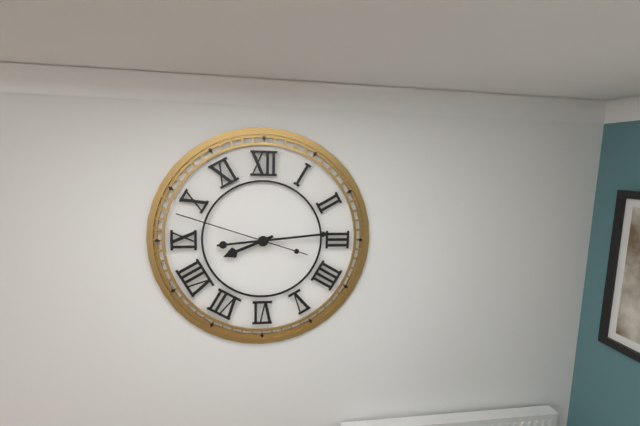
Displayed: 8 h 14 min 48 s
